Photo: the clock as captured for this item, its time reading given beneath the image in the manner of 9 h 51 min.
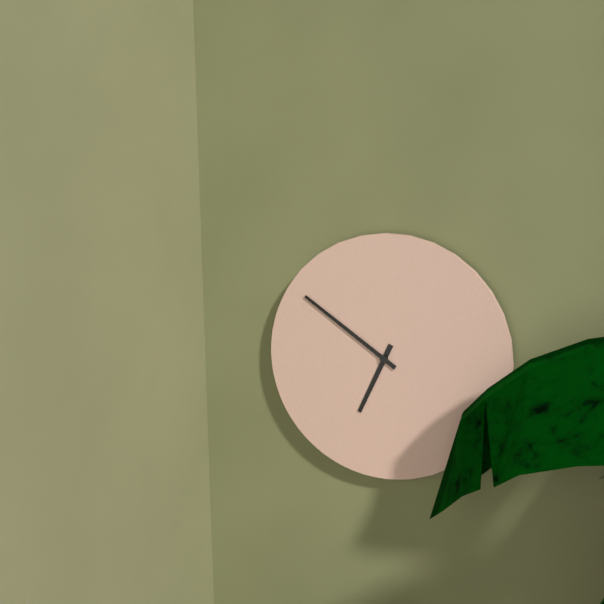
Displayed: 6 h 51 min
